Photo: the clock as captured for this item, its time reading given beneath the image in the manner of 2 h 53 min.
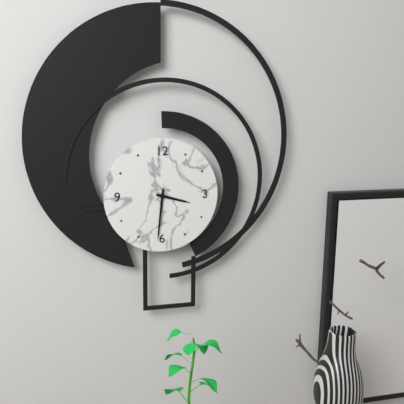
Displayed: 3 h 31 min
